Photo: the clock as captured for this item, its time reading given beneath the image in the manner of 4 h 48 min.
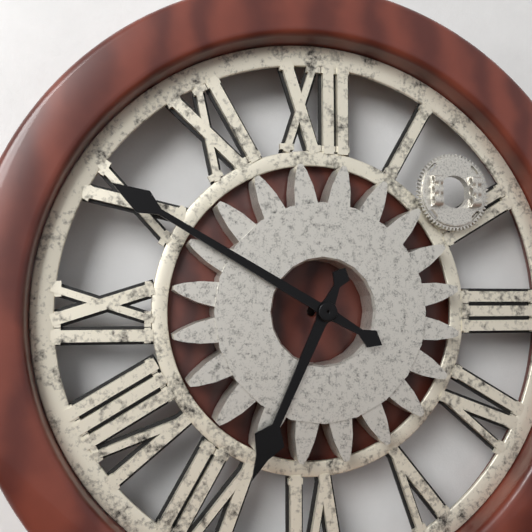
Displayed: 6 h 50 min
